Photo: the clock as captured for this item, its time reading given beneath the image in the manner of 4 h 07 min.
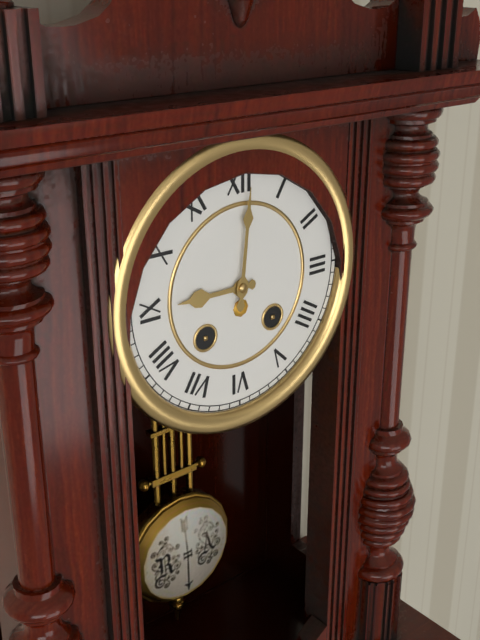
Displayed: 9 h 01 min
